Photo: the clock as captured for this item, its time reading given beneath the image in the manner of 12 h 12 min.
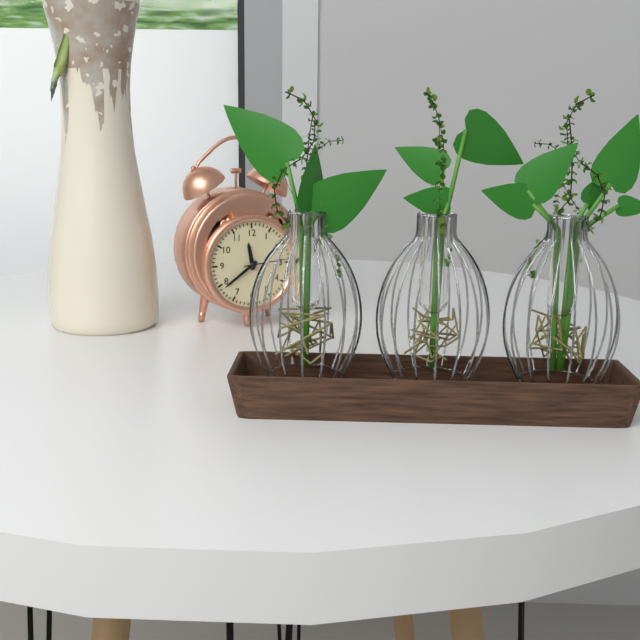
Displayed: 11 h 39 min
